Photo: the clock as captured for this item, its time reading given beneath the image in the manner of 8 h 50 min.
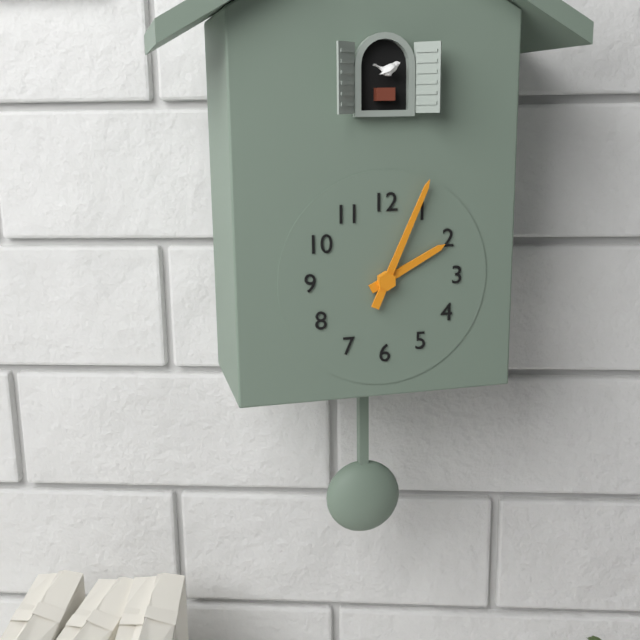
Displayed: 2 h 04 min
